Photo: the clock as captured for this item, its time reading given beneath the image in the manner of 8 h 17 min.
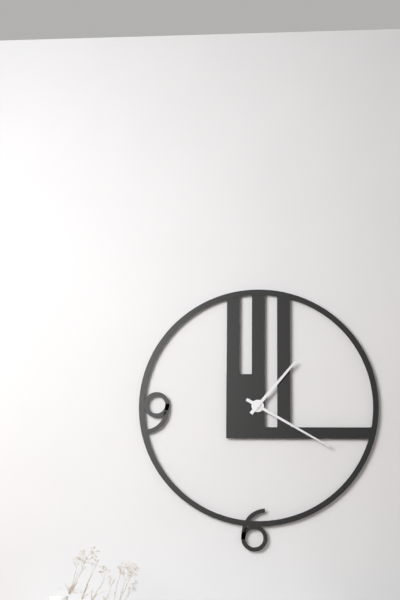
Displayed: 1 h 20 min
